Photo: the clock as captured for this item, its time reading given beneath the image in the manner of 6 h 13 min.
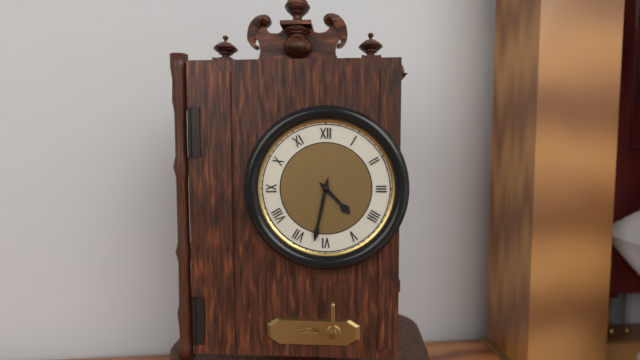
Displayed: 4 h 32 min
